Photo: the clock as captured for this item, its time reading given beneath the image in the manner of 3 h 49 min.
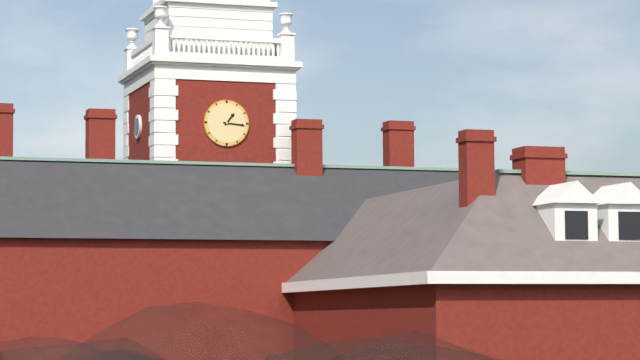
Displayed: 1 h 16 min
